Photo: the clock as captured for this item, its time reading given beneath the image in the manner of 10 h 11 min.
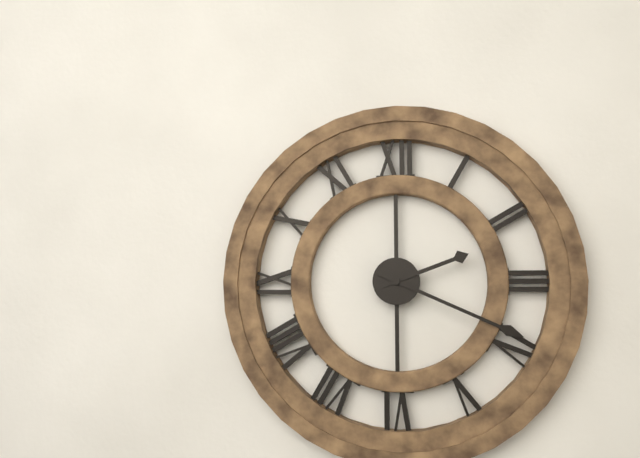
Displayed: 2 h 19 min
